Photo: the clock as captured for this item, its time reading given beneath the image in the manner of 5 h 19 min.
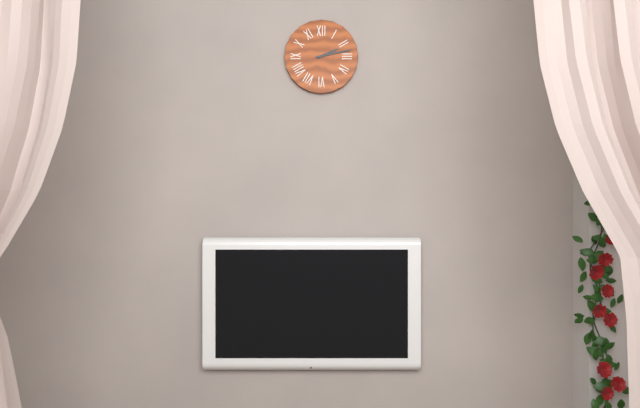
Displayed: 2 h 13 min
